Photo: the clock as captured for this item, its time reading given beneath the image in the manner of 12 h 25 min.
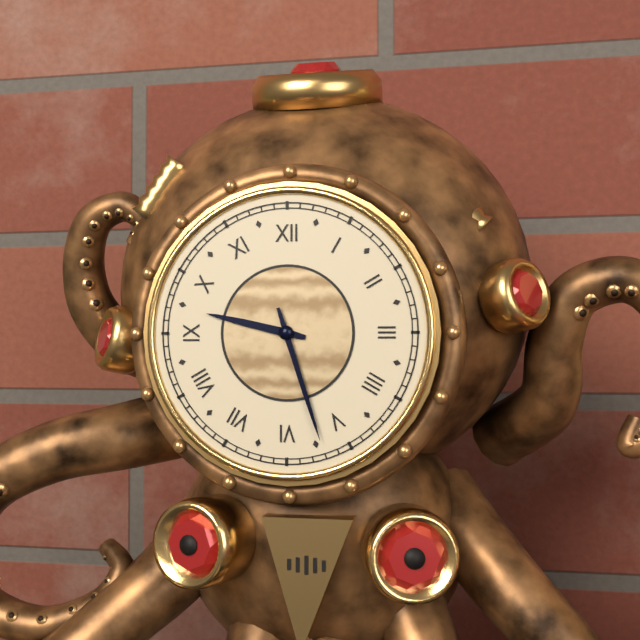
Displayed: 9 h 27 min
